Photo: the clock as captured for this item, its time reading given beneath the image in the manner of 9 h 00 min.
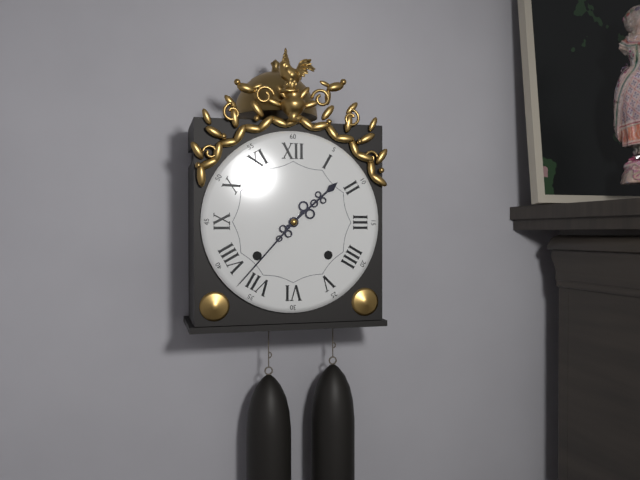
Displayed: 1 h 37 min
